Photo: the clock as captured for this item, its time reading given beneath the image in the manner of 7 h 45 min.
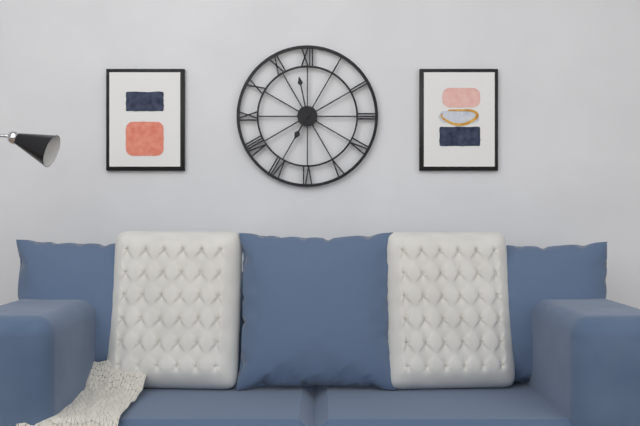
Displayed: 6 h 58 min
